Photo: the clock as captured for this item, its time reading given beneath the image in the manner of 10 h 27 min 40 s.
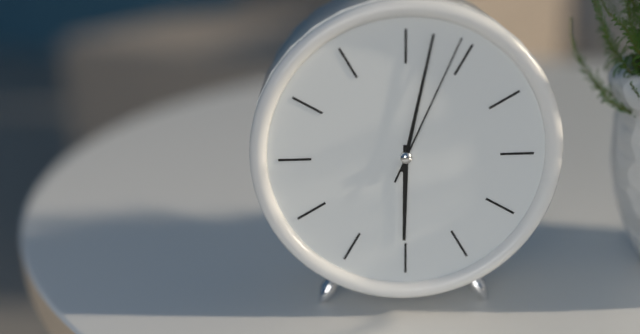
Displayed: 6 h 02 min 04 s
